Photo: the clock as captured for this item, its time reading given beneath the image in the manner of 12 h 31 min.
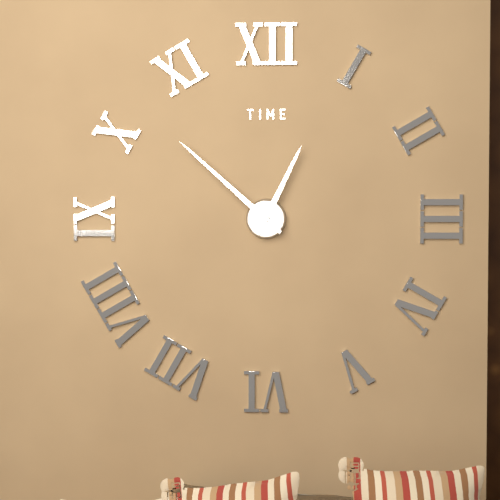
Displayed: 12 h 52 min
